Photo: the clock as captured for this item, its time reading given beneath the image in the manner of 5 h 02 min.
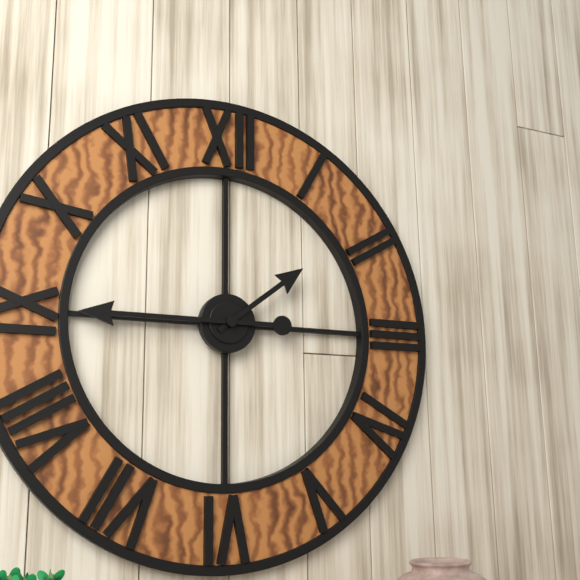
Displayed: 1 h 45 min
